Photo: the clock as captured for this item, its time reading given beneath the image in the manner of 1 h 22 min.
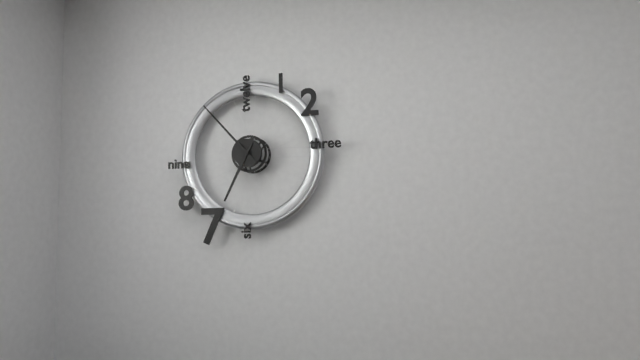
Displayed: 6 h 53 min
